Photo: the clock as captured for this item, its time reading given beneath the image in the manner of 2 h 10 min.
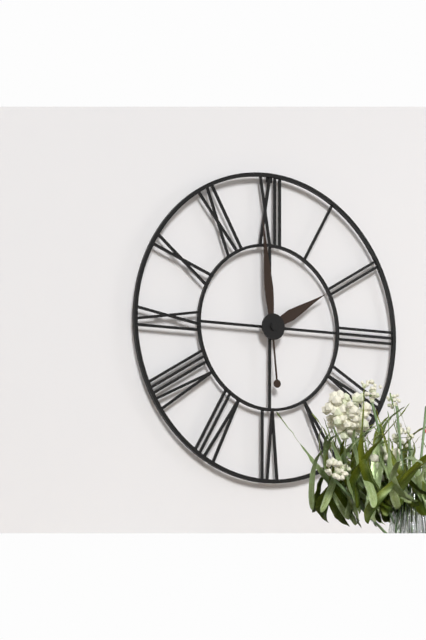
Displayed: 1 h 59 min
